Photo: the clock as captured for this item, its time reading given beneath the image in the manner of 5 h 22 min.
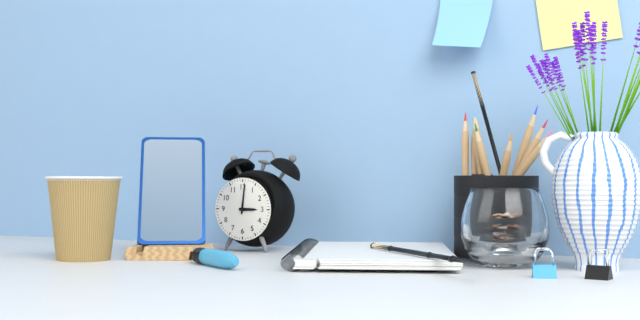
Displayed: 3 h 01 min
